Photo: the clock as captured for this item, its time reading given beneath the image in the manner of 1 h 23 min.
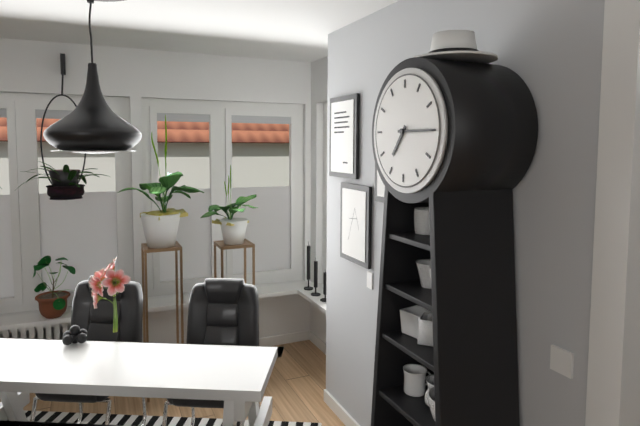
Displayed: 7 h 15 min
